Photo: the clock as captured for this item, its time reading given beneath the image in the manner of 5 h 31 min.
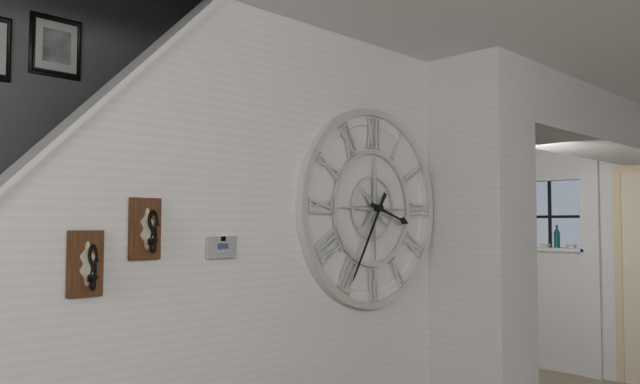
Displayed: 3 h 35 min
